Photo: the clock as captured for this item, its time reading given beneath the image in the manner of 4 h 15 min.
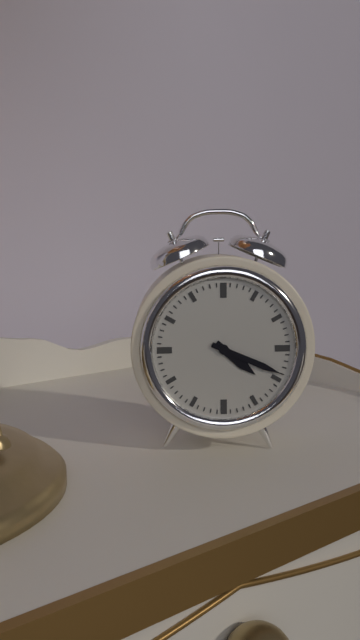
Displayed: 4 h 19 min
